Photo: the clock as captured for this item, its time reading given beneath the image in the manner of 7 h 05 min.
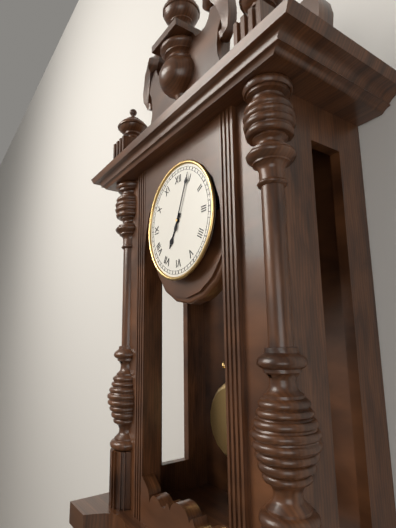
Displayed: 7 h 04 min
